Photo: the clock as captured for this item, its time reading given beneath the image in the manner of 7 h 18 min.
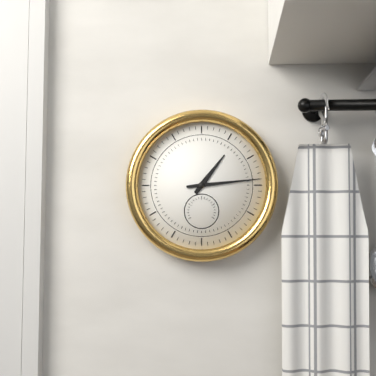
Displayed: 1 h 14 min
